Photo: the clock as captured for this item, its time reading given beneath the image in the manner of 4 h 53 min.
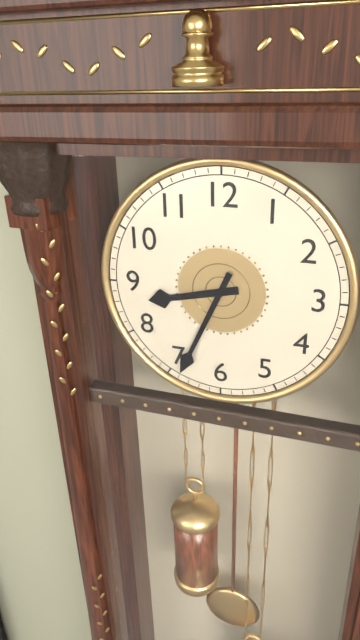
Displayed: 8 h 34 min
